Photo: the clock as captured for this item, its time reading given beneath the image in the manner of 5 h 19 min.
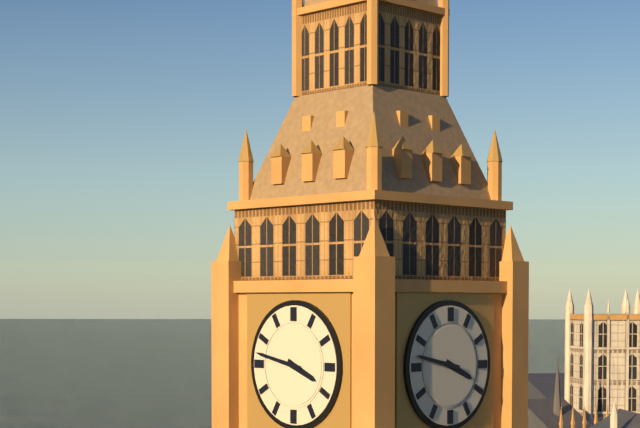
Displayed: 3 h 47 min
